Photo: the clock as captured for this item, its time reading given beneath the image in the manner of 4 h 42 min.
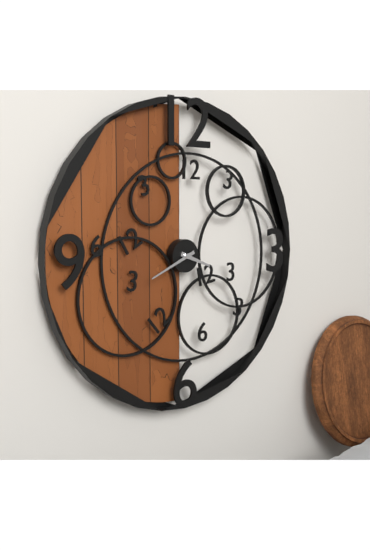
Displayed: 3 h 41 min
